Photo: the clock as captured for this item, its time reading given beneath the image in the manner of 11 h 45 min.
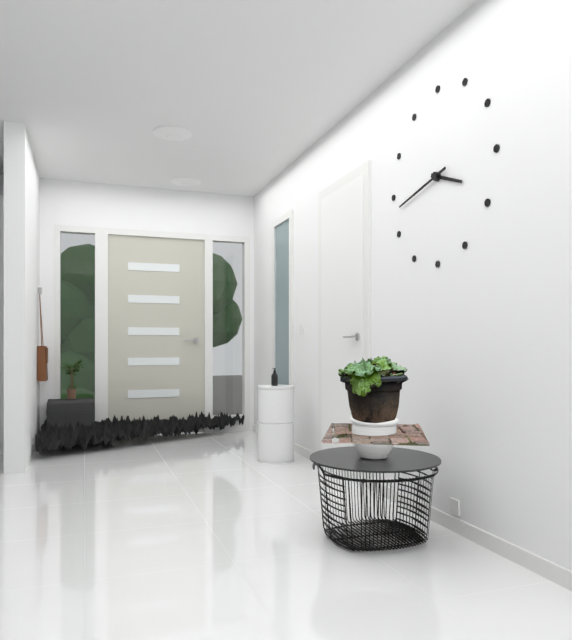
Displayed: 3 h 43 min
